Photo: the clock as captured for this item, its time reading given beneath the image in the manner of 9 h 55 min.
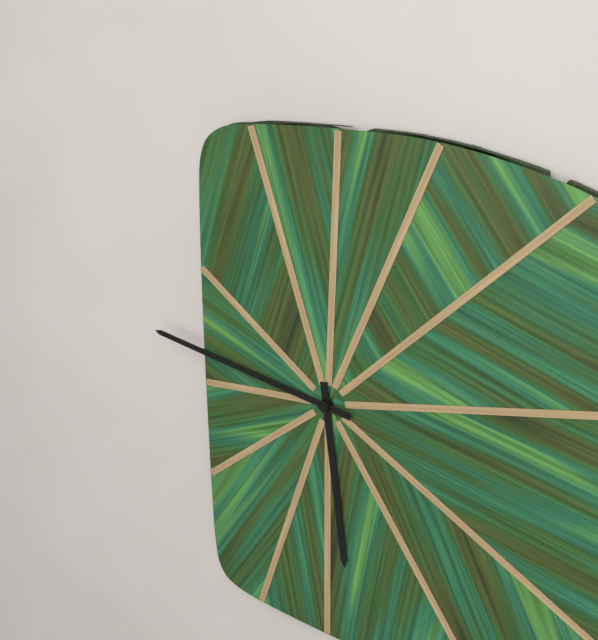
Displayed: 5 h 47 min
